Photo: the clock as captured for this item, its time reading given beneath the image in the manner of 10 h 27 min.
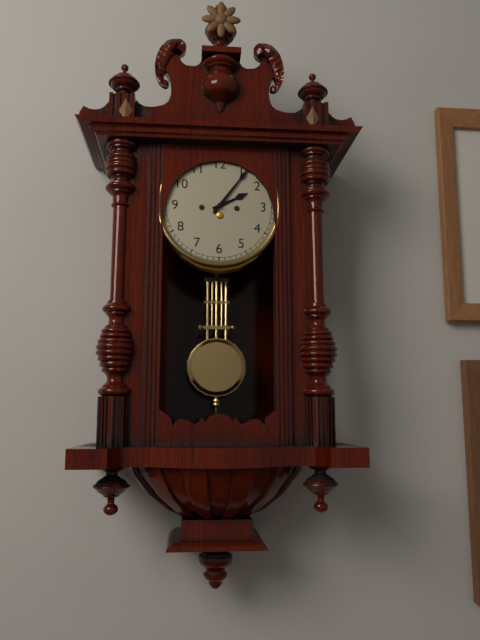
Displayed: 2 h 06 min
